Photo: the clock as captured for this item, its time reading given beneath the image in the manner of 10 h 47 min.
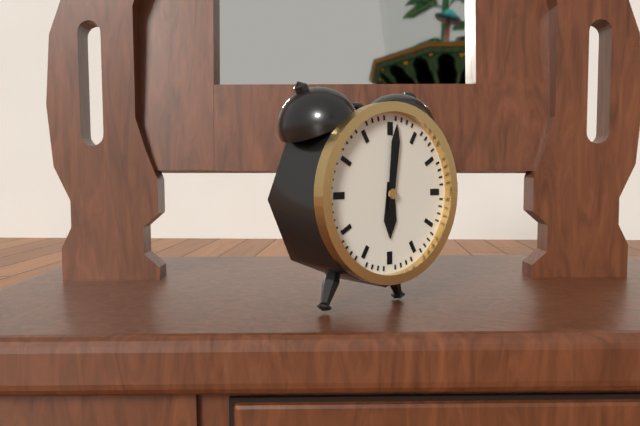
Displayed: 6 h 01 min
